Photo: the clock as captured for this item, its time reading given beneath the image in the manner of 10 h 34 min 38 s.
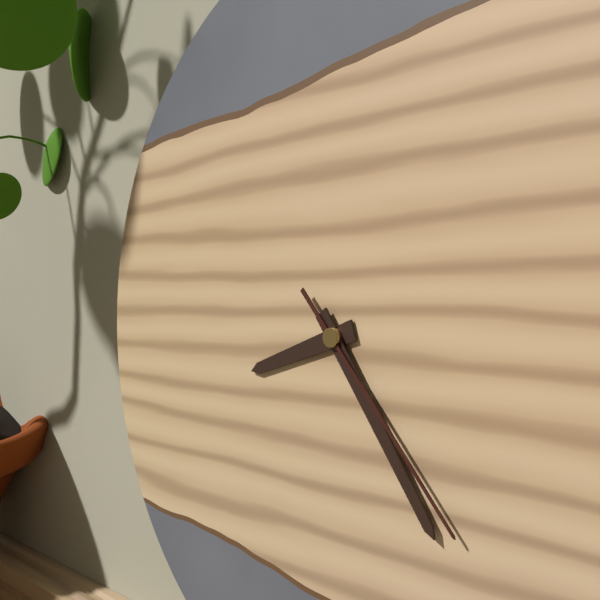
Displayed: 8 h 24 min 23 s
